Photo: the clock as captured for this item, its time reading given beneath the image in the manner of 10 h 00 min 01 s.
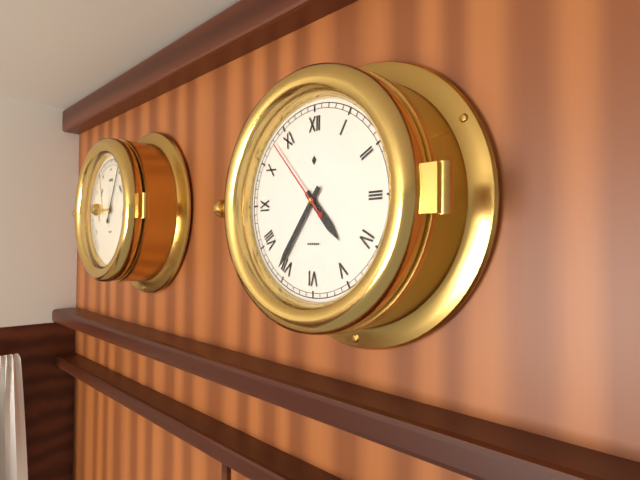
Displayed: 4 h 36 min 53 s
